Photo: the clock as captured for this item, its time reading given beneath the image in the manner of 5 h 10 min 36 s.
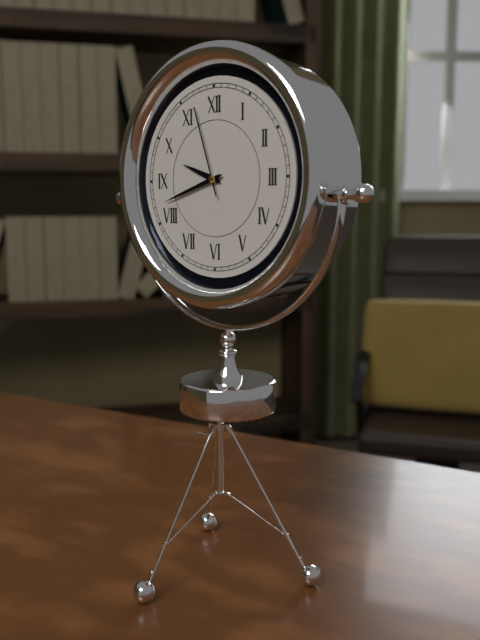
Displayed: 9 h 42 min 57 s
